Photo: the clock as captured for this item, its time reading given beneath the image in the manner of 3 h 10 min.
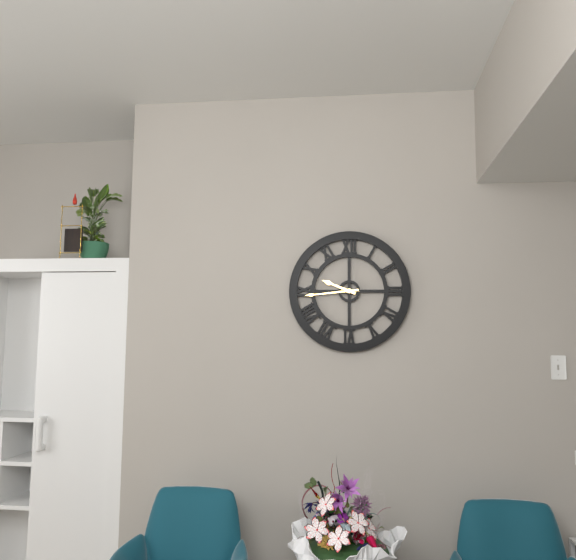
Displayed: 9 h 44 min
